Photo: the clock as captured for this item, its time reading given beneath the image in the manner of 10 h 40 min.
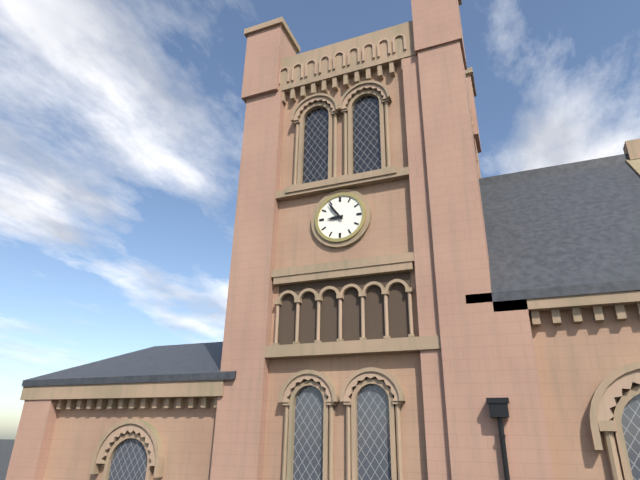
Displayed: 8 h 54 min
